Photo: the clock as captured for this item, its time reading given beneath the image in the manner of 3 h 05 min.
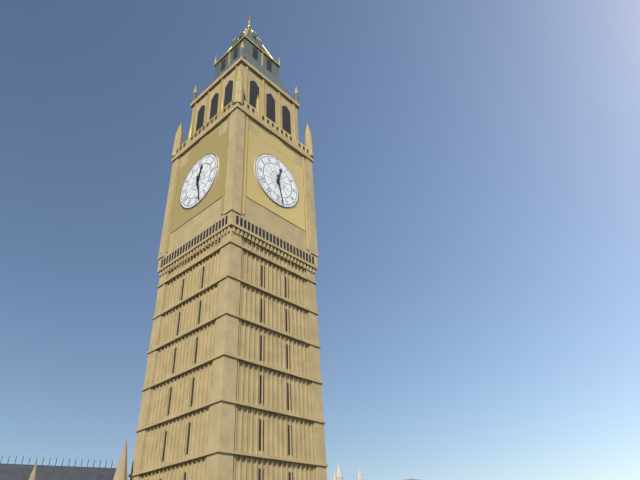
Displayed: 12 h 28 min
